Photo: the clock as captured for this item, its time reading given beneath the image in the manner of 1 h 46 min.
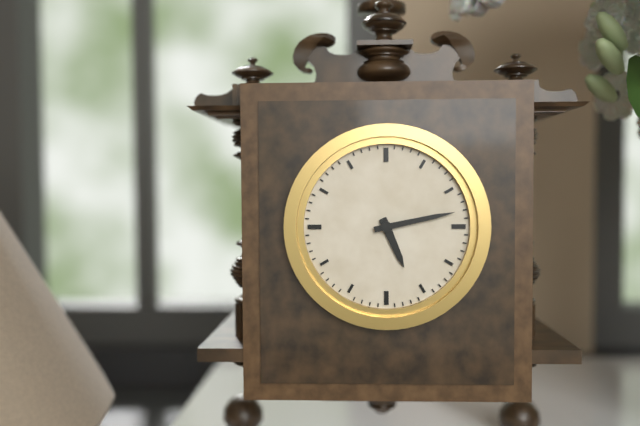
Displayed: 5 h 13 min
